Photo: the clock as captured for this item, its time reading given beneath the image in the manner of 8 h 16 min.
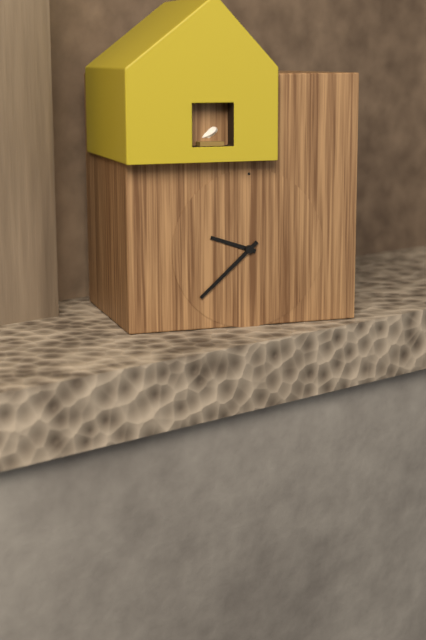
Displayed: 9 h 38 min
